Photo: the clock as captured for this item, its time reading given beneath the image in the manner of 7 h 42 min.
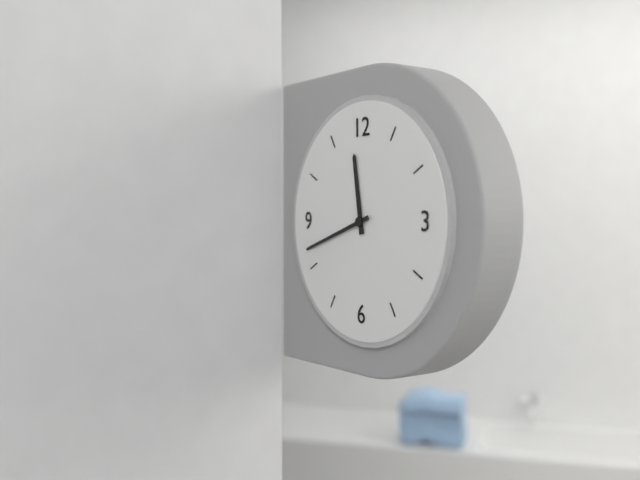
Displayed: 11 h 42 min
